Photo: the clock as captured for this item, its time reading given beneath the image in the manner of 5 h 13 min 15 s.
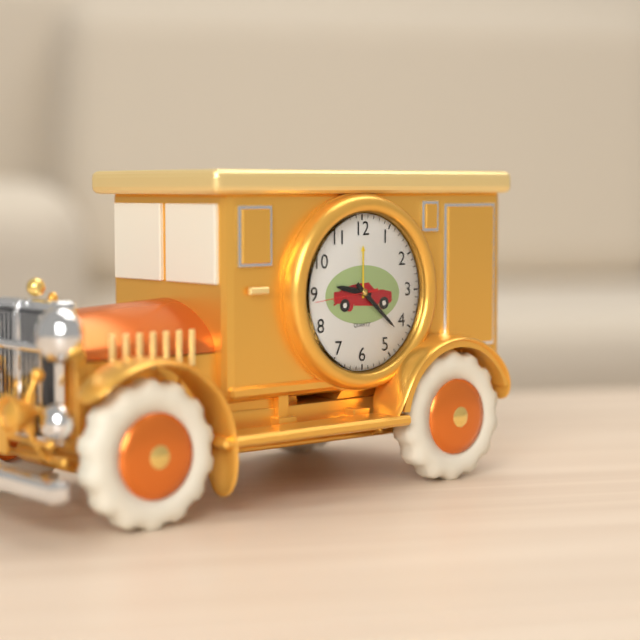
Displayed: 9 h 22 min 44 s
